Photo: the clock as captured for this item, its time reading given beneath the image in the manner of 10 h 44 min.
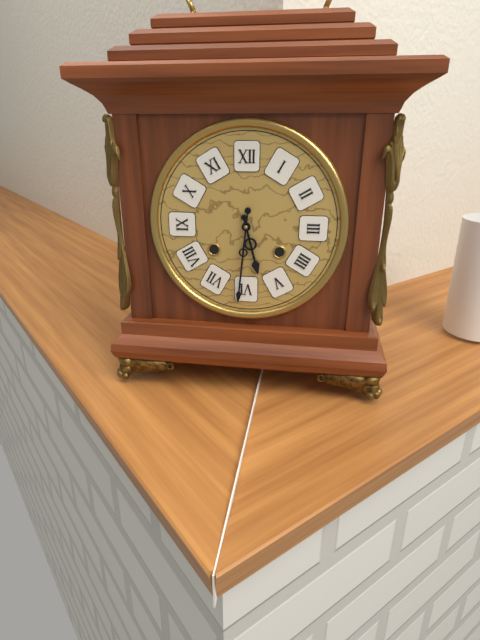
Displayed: 5 h 31 min
